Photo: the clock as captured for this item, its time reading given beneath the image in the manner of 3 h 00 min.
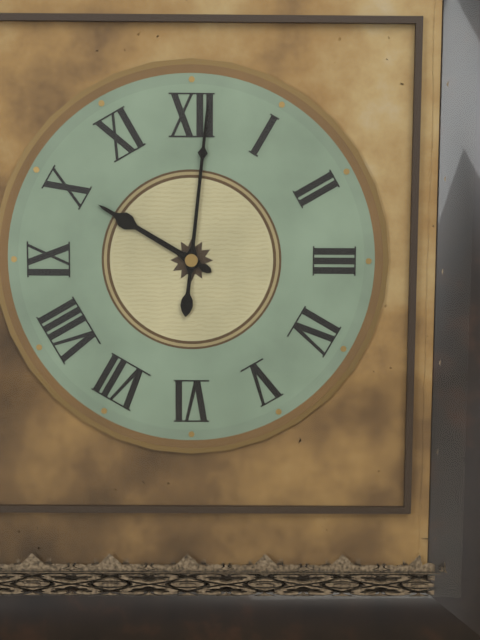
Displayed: 10 h 01 min
